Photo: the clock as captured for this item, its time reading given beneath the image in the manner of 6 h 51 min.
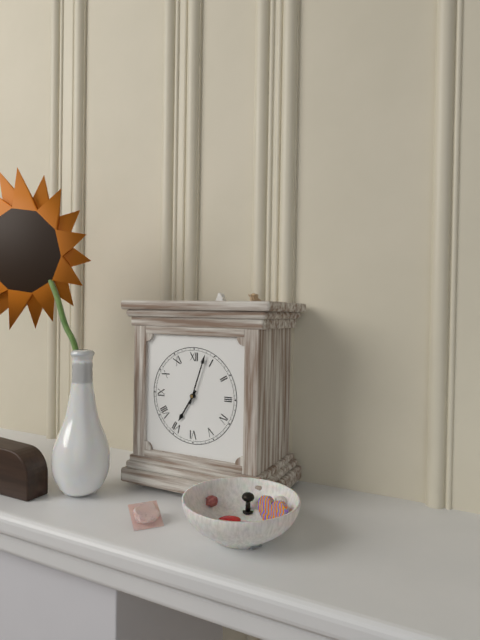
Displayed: 7 h 03 min
